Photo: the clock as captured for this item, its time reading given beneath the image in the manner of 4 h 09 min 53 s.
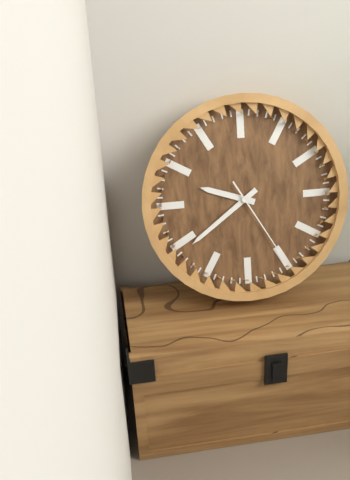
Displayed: 9 h 39 min 25 s
